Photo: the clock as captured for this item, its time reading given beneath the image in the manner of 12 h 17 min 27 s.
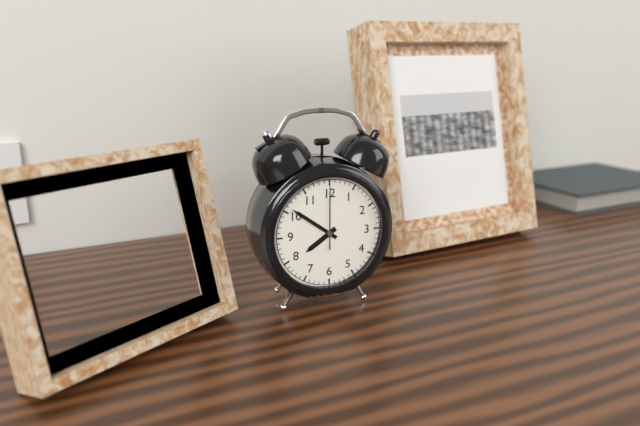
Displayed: 7 h 51 min 00 s
